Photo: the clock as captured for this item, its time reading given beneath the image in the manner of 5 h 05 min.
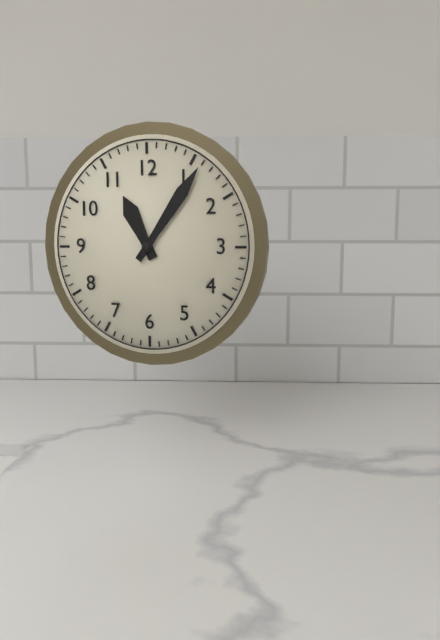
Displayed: 11 h 06 min
